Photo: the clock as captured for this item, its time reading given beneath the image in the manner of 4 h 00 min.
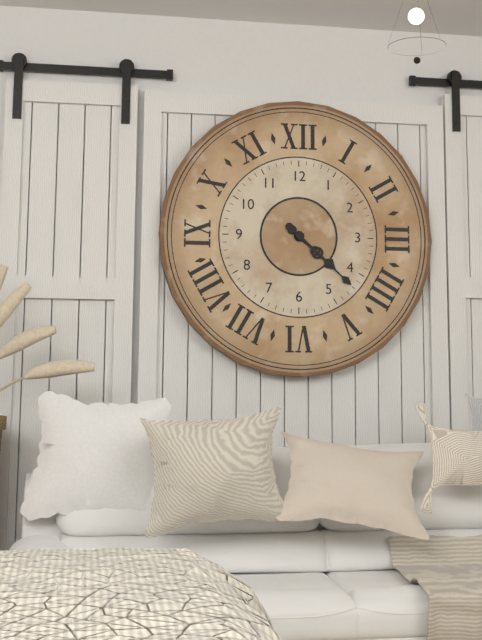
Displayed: 4 h 22 min
